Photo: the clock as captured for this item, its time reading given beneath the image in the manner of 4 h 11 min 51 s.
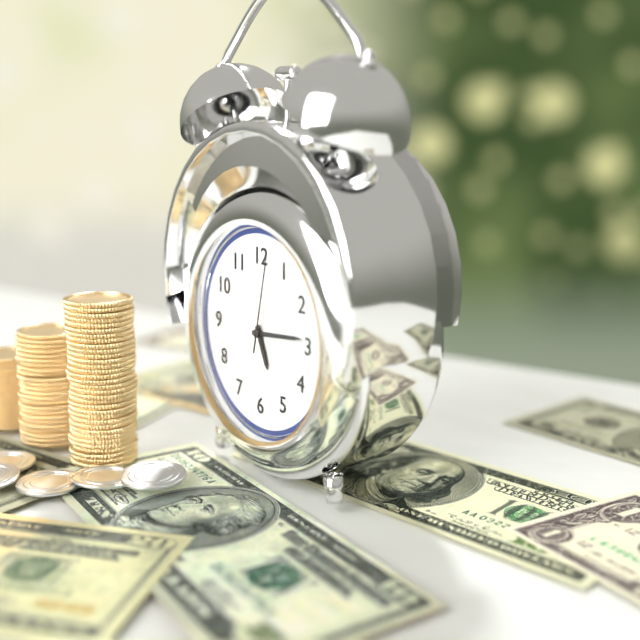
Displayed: 5 h 14 min 02 s
